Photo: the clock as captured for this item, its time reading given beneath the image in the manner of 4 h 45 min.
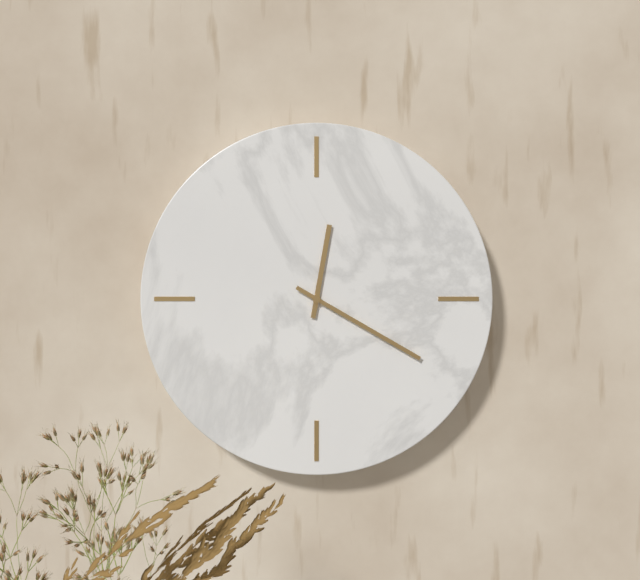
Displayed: 12 h 20 min
